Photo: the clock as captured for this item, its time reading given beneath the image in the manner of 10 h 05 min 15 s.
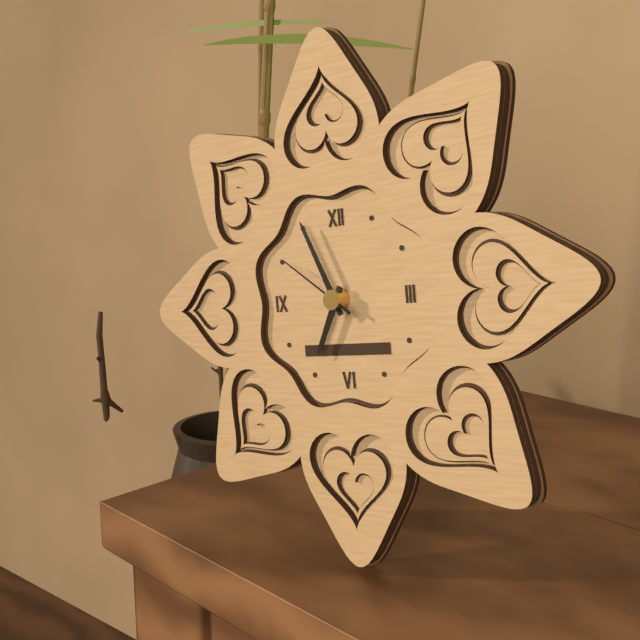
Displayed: 6 h 56 min 51 s
